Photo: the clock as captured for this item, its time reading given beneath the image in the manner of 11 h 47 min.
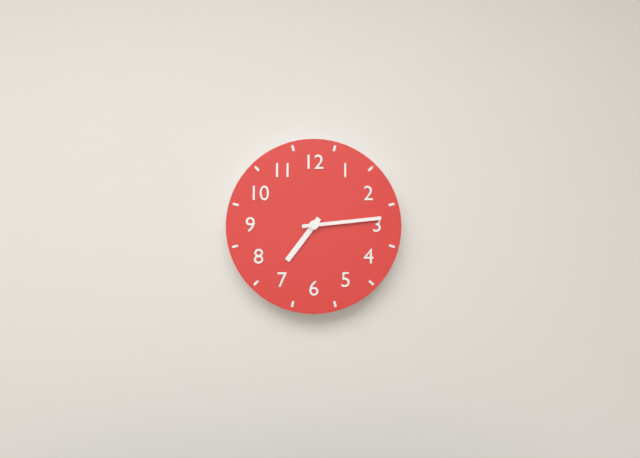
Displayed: 7 h 14 min
